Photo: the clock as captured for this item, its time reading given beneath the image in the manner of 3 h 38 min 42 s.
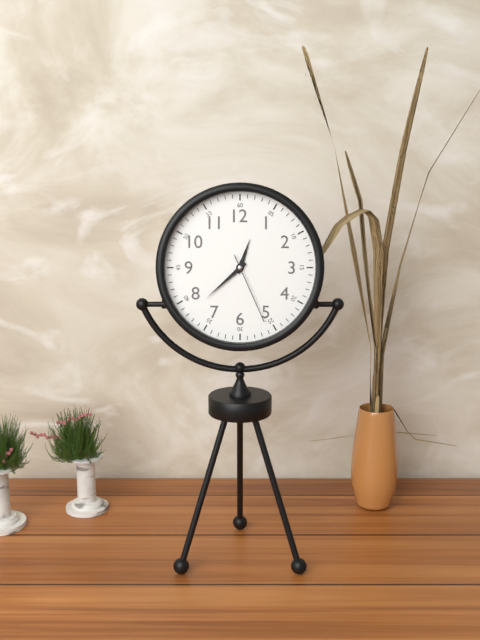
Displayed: 12 h 38 min 26 s
